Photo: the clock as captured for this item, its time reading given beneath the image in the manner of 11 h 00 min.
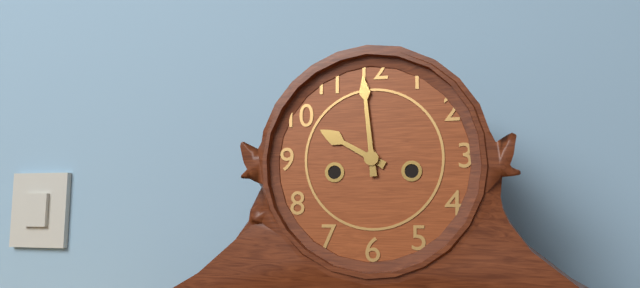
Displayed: 9 h 59 min
